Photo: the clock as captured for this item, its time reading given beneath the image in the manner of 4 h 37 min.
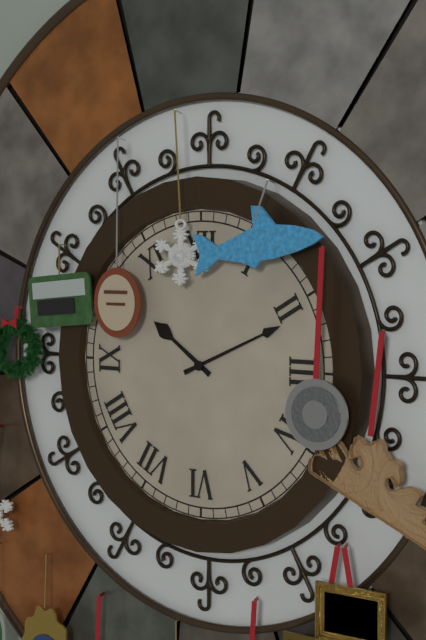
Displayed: 10 h 11 min
